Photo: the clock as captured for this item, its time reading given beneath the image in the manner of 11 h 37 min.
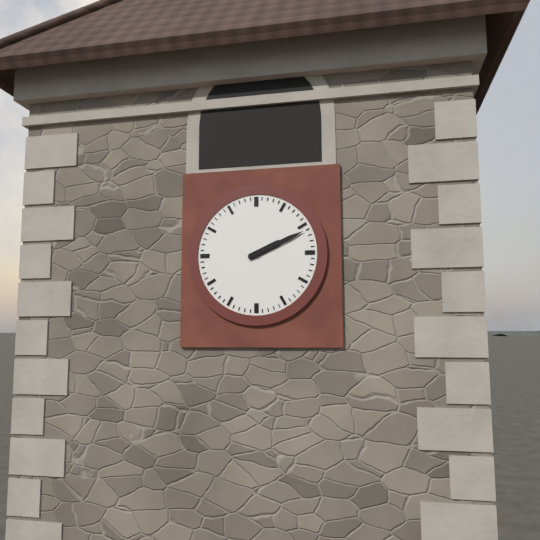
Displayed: 2 h 11 min
